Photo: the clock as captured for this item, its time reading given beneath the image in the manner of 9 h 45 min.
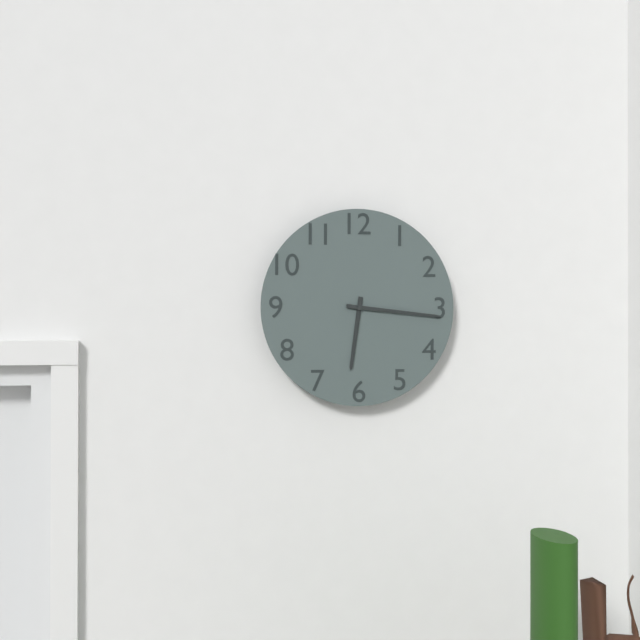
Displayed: 6 h 16 min
